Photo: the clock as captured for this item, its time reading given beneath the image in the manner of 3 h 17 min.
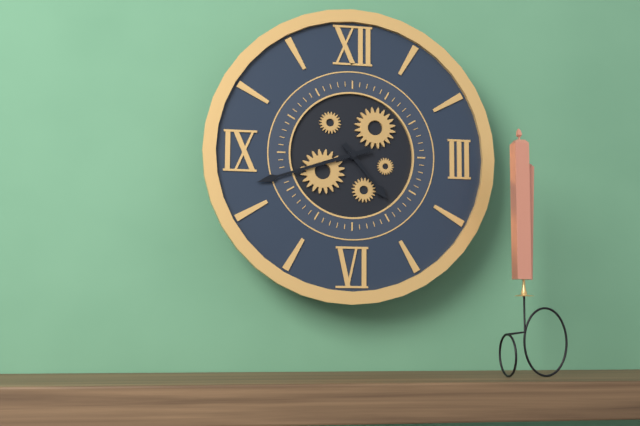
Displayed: 4 h 42 min
